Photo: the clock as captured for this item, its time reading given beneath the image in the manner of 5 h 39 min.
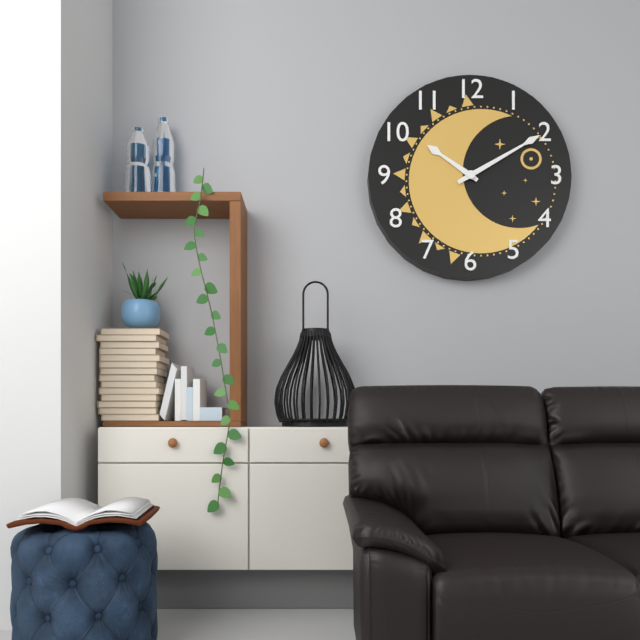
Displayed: 10 h 10 min
